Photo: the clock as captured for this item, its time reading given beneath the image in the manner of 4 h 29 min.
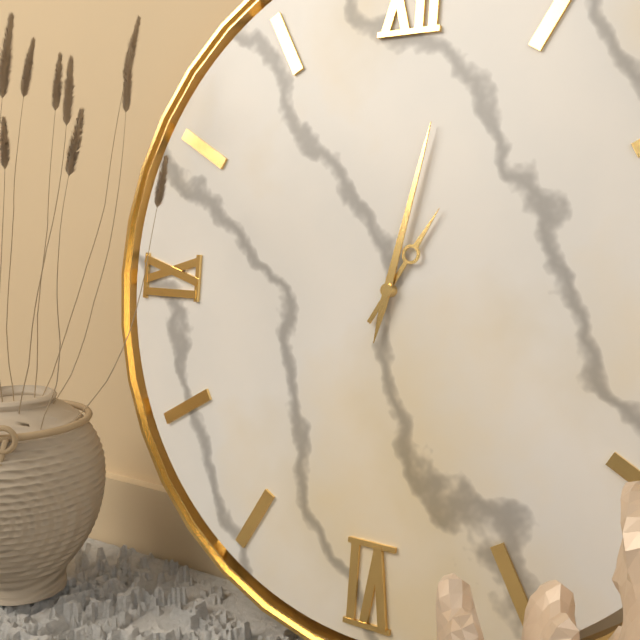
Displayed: 1 h 02 min
